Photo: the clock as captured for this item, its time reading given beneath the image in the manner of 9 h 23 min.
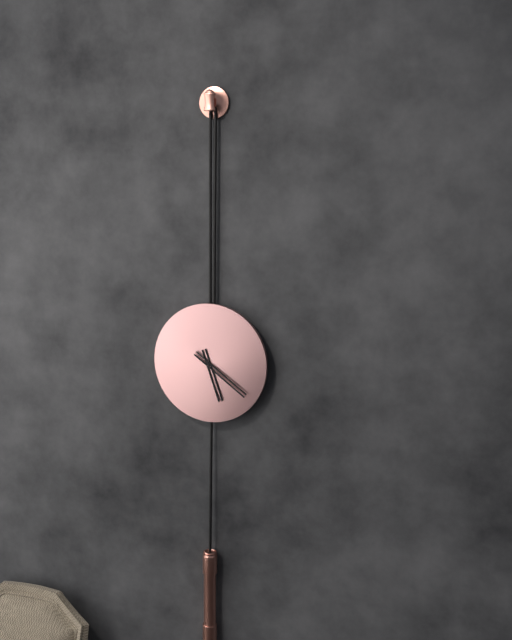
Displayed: 5 h 21 min
